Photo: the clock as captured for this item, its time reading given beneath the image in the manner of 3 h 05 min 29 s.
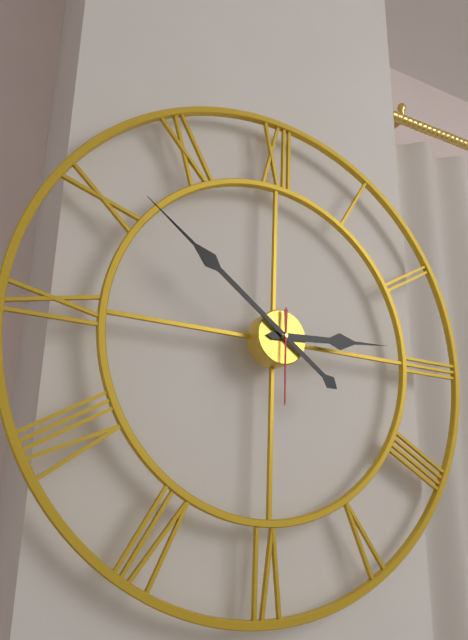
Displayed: 2 h 51 min 30 s
